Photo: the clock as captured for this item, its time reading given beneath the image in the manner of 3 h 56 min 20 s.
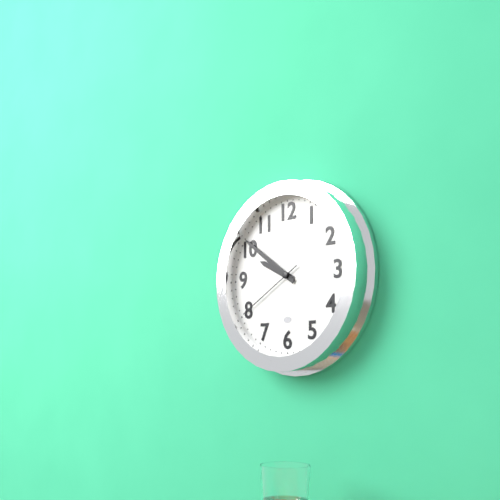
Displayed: 9 h 51 min 40 s
